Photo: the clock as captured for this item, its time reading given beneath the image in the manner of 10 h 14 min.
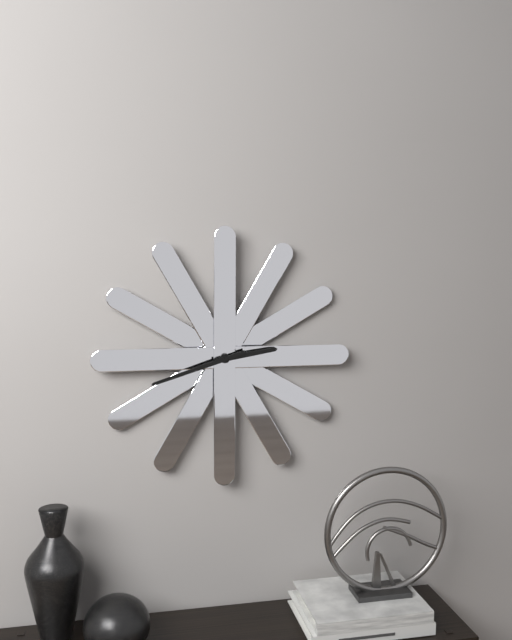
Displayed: 2 h 42 min
